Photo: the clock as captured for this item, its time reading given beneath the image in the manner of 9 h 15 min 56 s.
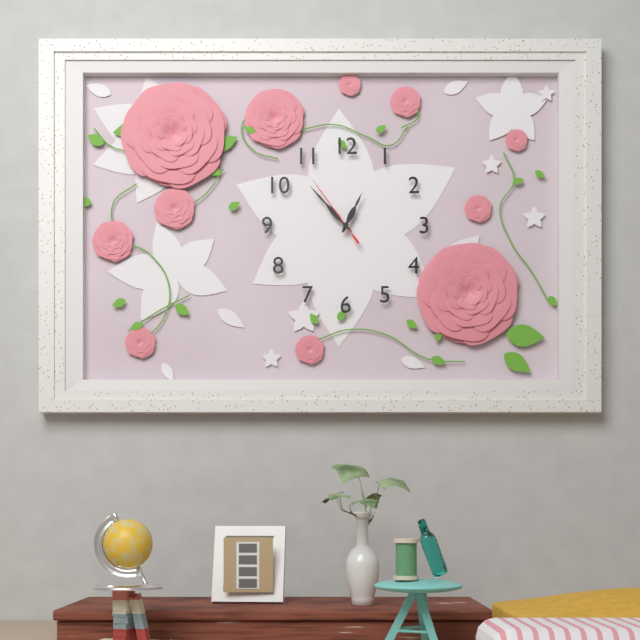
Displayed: 12 h 53 min 54 s
